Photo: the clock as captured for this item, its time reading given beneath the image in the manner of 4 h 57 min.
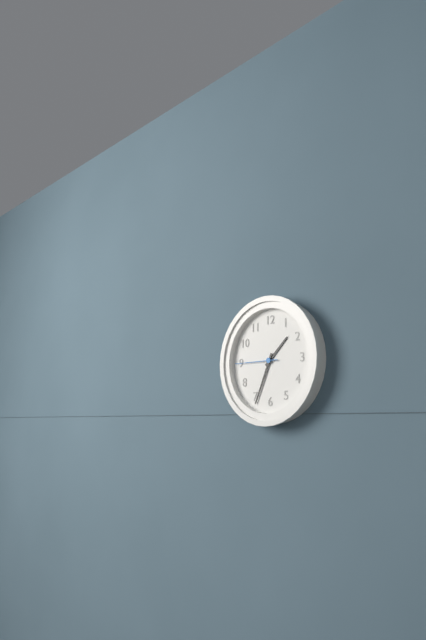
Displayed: 1 h 34 min
